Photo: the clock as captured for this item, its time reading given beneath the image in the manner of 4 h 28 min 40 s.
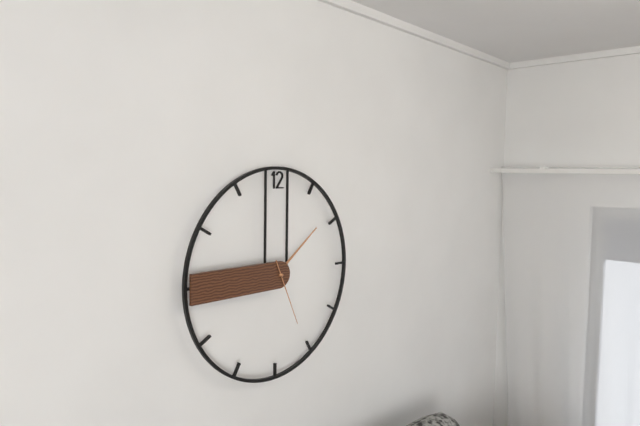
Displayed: 1 h 45 min 26 s
